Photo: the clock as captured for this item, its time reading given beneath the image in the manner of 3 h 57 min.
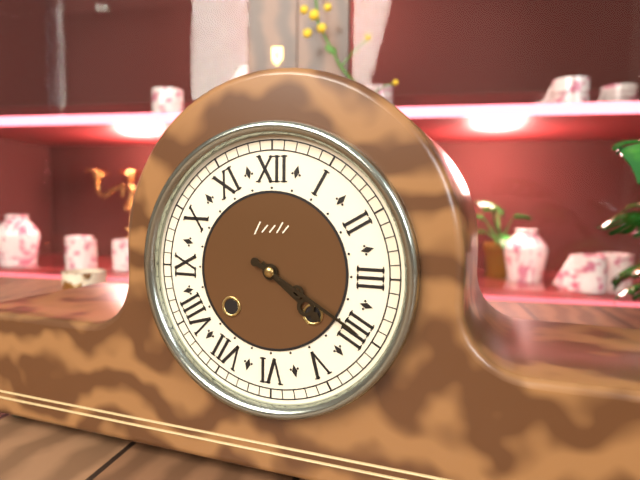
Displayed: 4 h 20 min
